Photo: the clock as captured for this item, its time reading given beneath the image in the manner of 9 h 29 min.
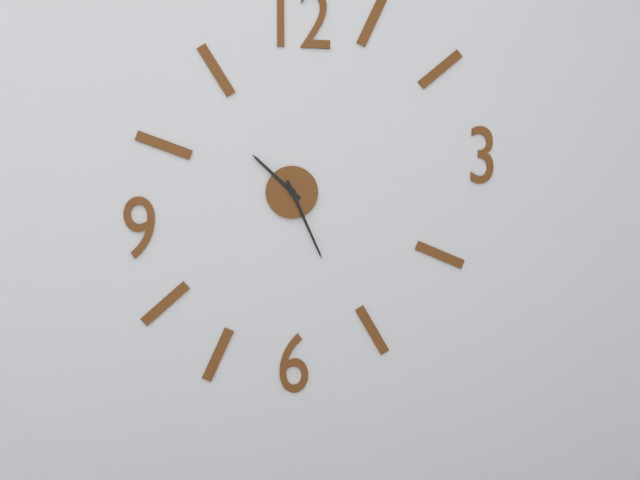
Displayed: 10 h 26 min
